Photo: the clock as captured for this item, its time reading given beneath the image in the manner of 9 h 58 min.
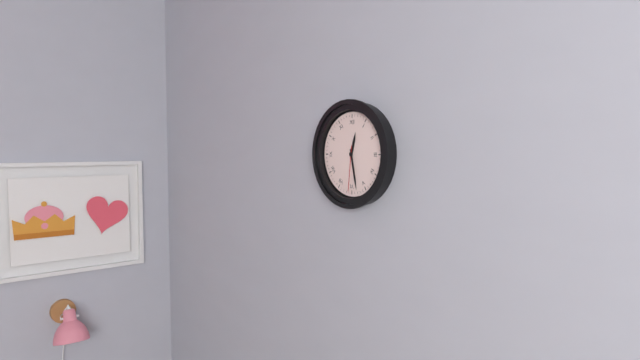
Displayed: 12 h 28 min
